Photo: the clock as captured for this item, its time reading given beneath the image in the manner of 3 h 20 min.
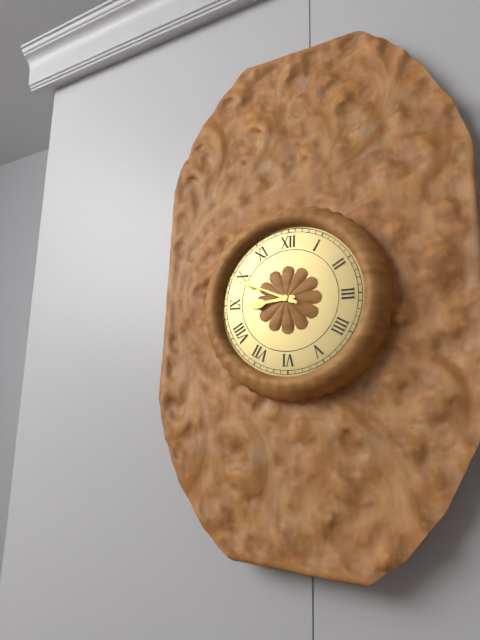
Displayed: 8 h 49 min
